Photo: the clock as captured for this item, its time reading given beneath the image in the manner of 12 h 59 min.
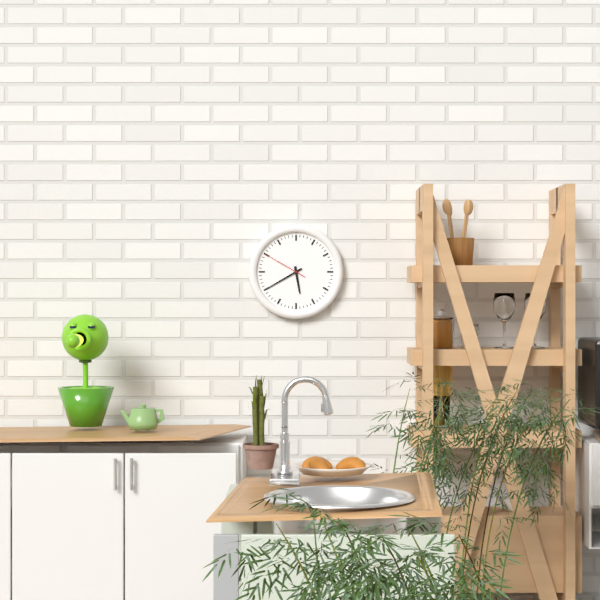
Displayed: 5 h 40 min
